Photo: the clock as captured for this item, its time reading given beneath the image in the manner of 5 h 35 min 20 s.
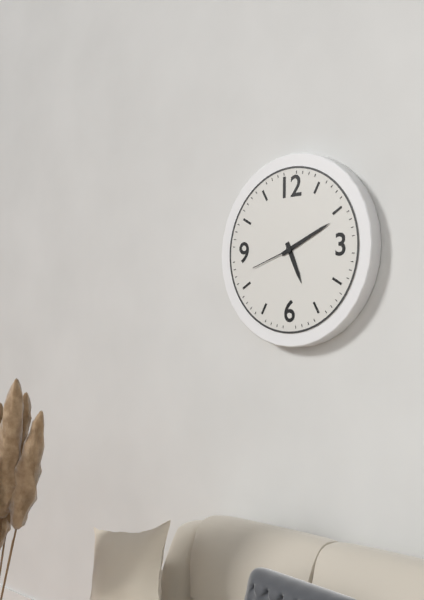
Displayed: 5 h 11 min 42 s
